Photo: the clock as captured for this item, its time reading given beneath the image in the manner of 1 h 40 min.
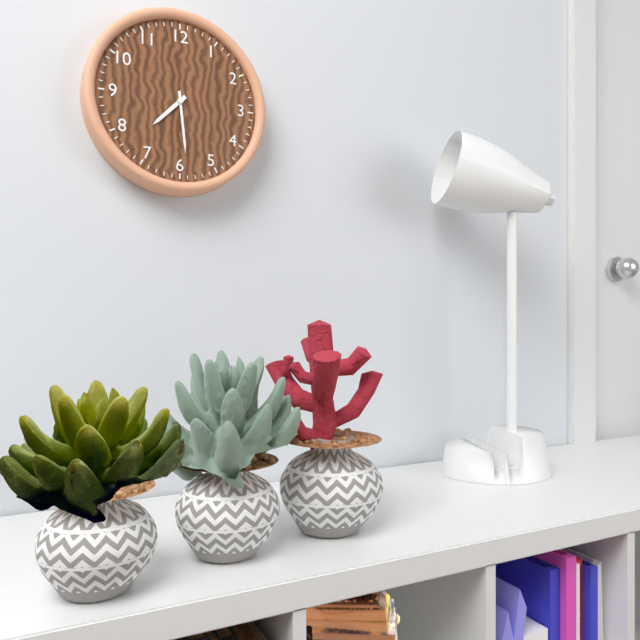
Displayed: 7 h 29 min
